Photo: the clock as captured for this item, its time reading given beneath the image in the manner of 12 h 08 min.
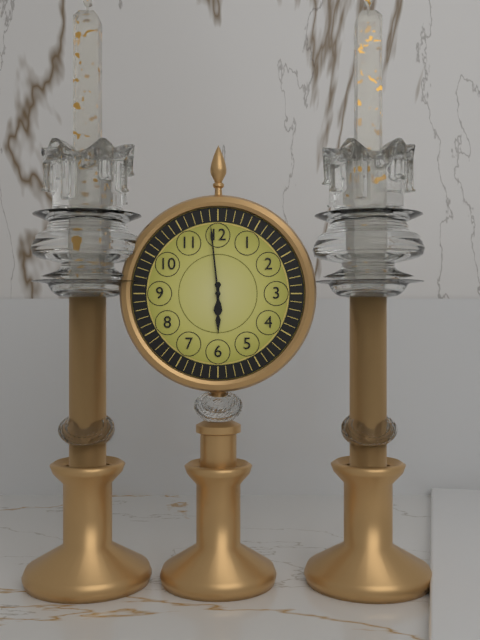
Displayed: 5 h 59 min
